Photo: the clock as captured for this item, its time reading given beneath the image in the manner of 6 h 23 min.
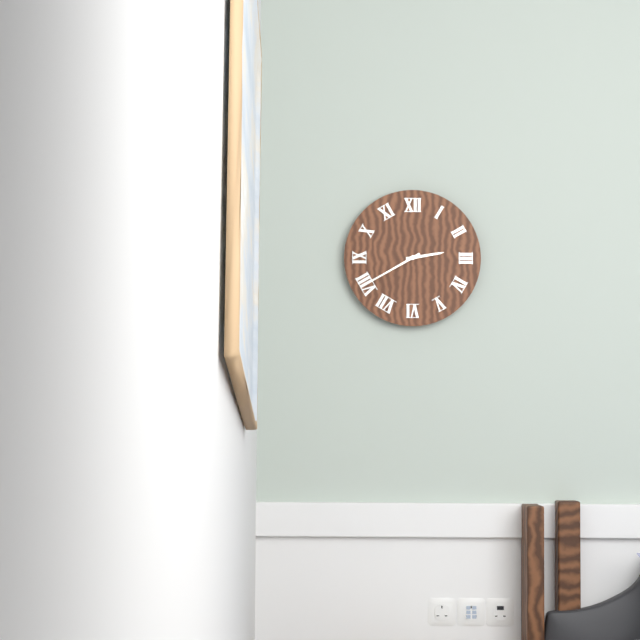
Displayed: 2 h 40 min
